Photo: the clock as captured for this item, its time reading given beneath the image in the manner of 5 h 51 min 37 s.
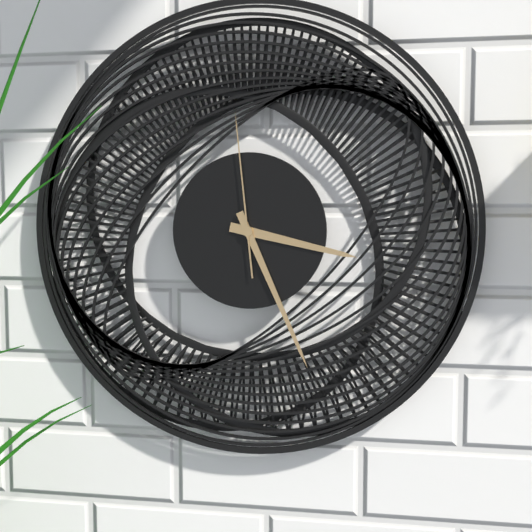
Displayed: 3 h 26 min 59 s
